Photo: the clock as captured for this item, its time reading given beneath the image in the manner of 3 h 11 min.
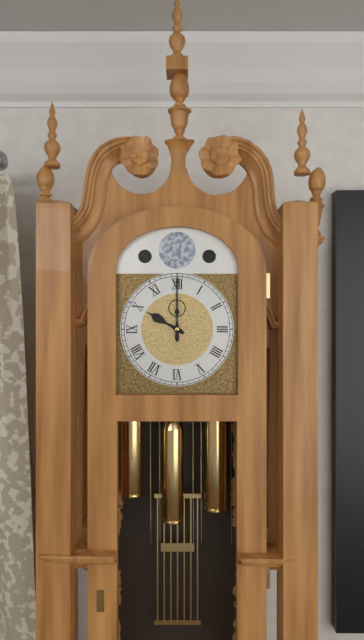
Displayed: 10 h 00 min
